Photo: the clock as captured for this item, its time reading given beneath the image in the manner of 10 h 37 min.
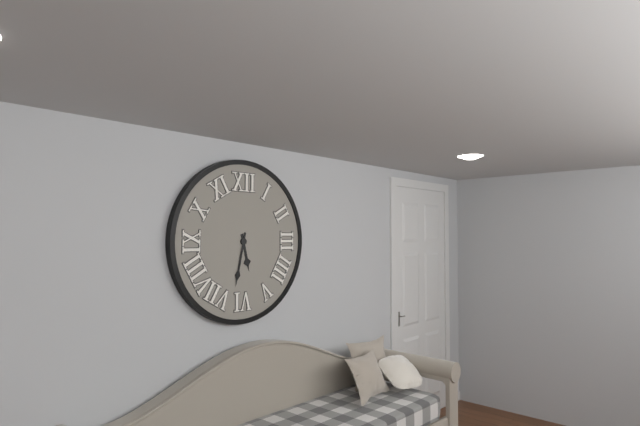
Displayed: 5 h 32 min
